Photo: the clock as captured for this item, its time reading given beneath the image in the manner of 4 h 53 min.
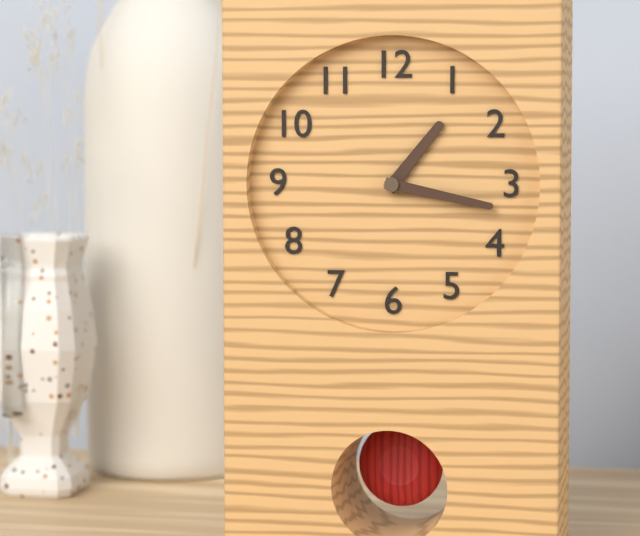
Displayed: 1 h 17 min
